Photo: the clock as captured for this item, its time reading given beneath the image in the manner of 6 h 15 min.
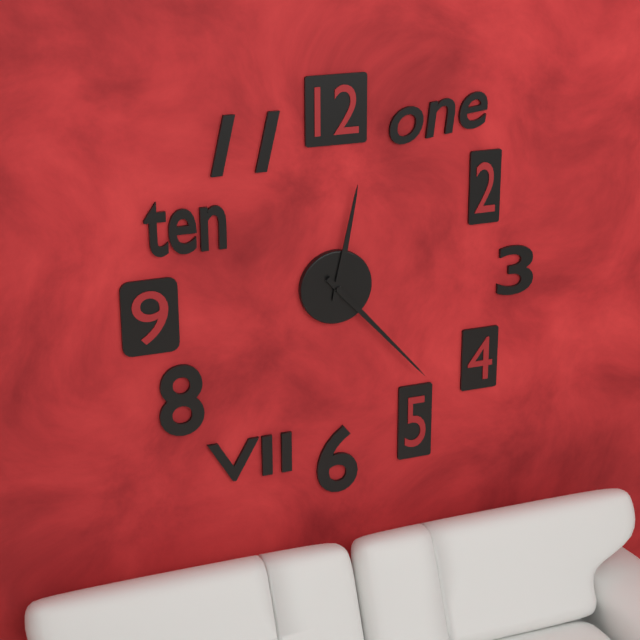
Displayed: 12 h 23 min
